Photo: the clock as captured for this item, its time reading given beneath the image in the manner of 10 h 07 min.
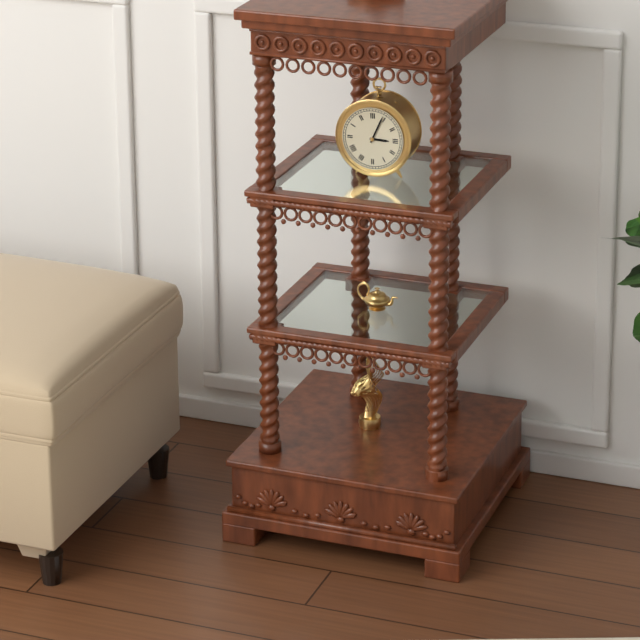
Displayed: 3 h 04 min
